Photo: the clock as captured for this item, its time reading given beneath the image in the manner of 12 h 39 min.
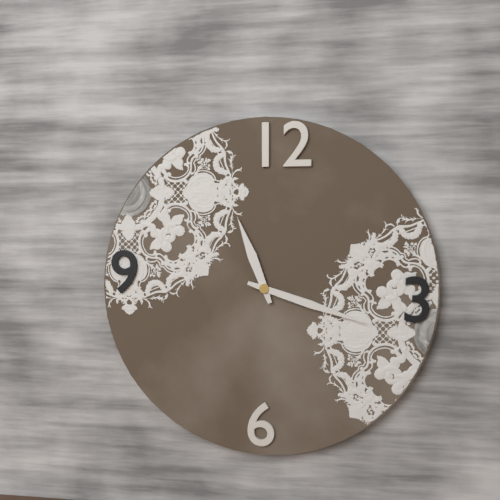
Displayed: 11 h 18 min
